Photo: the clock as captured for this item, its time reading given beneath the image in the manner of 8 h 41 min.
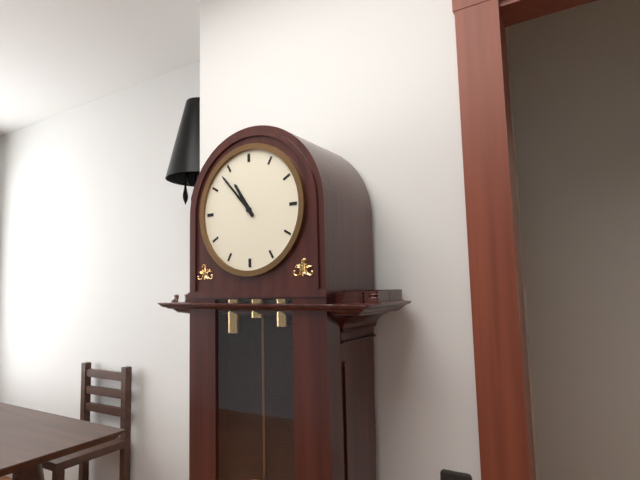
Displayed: 10 h 53 min
